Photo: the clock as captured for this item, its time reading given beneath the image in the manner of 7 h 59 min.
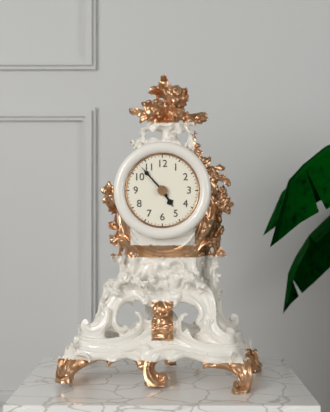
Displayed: 4 h 53 min
